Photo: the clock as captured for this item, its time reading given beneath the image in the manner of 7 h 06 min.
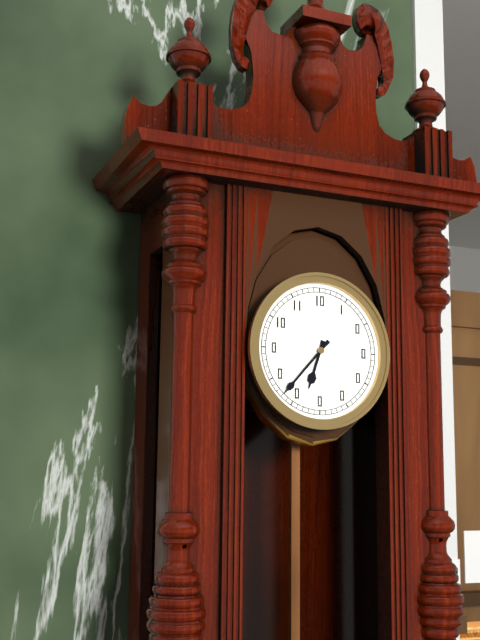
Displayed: 6 h 37 min
